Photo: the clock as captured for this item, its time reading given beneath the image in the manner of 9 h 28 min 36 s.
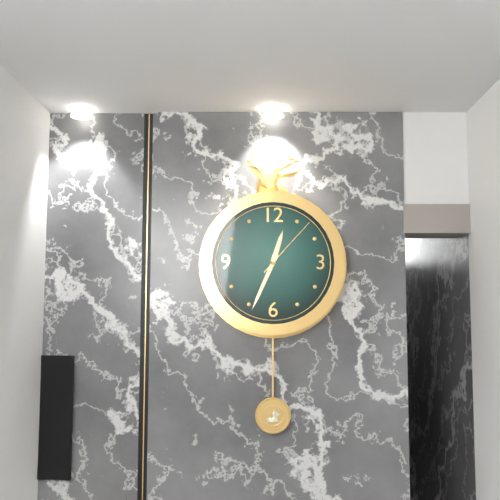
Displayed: 12 h 34 min 07 s
